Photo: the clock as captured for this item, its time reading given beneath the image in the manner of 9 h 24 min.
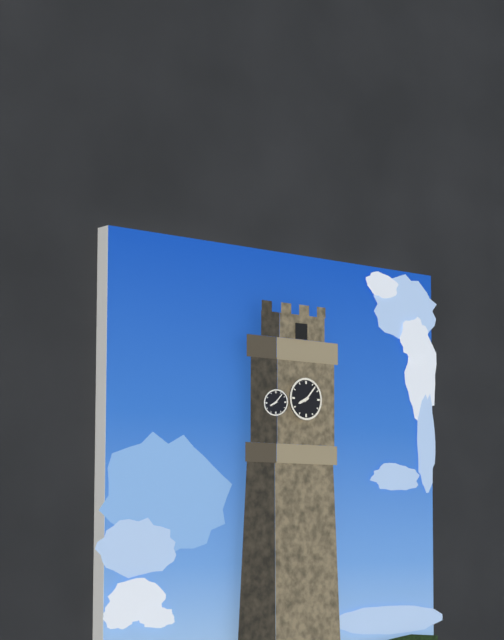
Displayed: 8 h 07 min
